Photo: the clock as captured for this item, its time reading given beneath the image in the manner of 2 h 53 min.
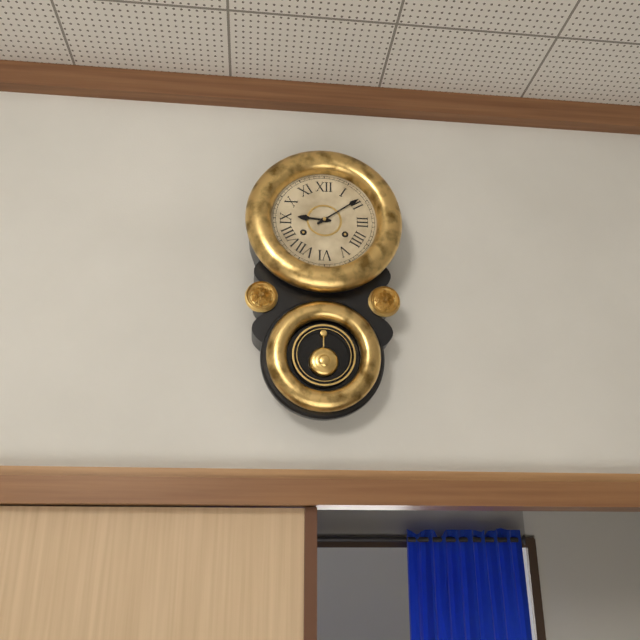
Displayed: 9 h 09 min
